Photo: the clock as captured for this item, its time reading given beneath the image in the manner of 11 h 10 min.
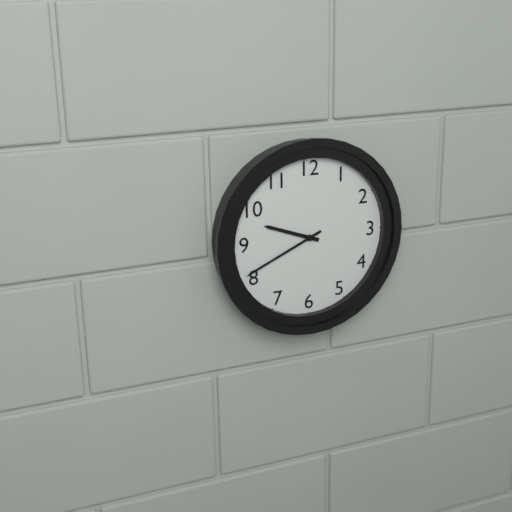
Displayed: 9 h 41 min
